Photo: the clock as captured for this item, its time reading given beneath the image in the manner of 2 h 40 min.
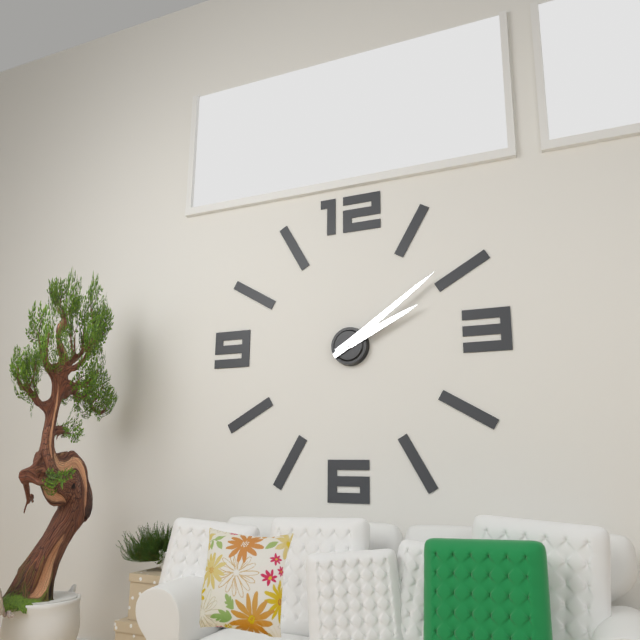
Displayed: 2 h 09 min
